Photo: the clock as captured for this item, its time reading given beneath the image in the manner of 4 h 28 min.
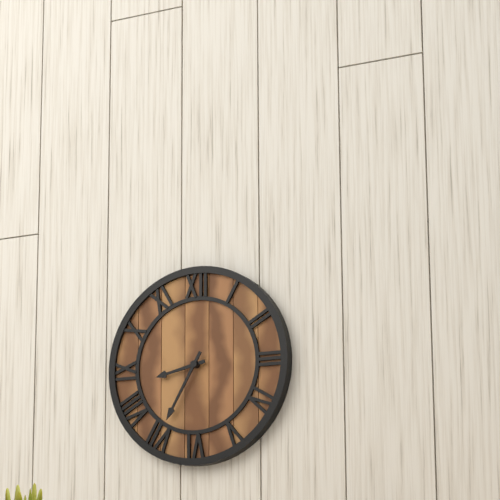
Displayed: 8 h 35 min
